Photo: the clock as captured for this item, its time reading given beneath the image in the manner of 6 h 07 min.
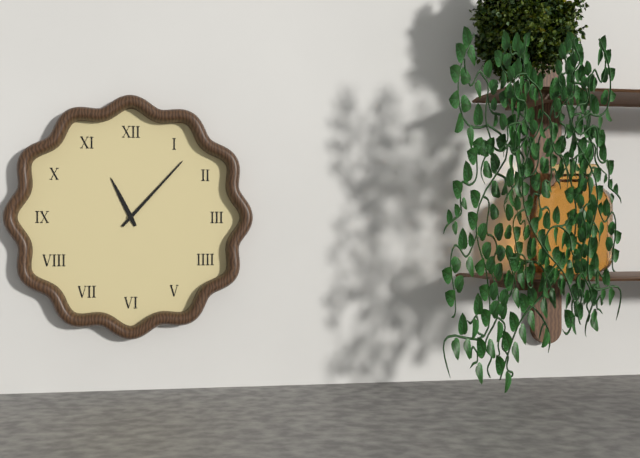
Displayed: 11 h 07 min
